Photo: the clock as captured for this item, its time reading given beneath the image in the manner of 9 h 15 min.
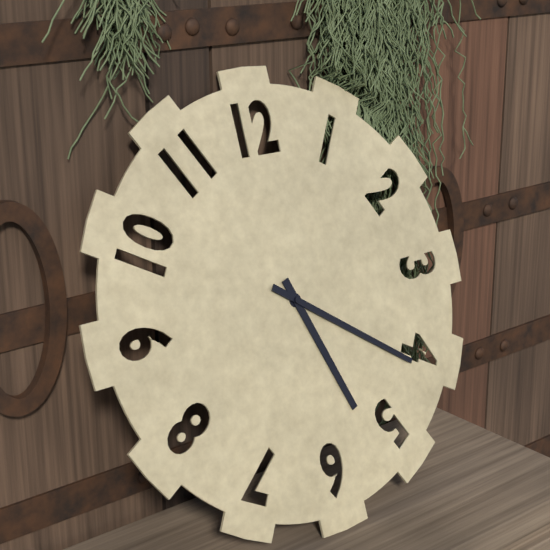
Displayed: 5 h 21 min
